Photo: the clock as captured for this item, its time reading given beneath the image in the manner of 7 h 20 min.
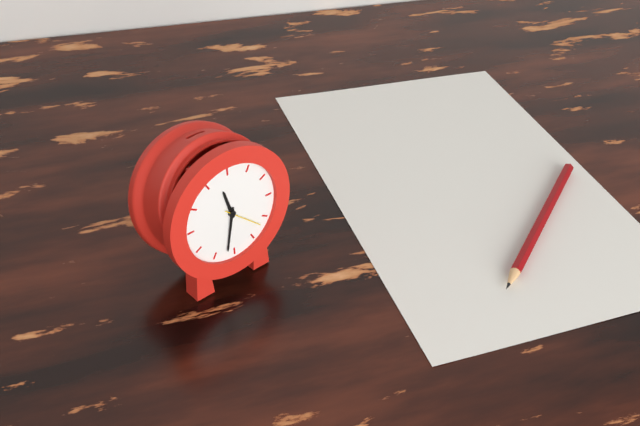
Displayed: 11 h 32 min
